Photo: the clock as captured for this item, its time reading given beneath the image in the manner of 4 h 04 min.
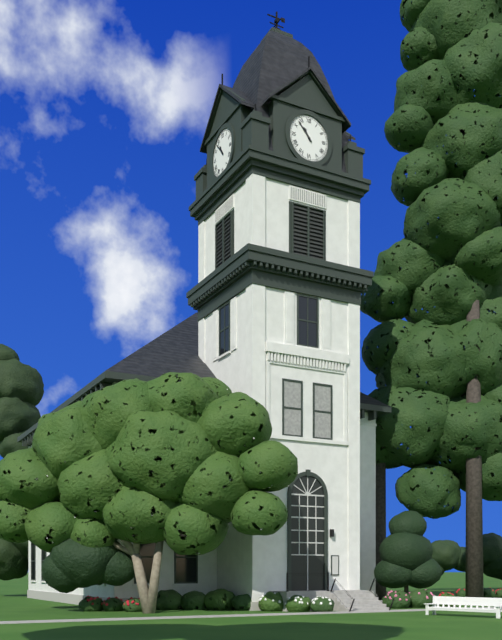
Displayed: 10 h 53 min
